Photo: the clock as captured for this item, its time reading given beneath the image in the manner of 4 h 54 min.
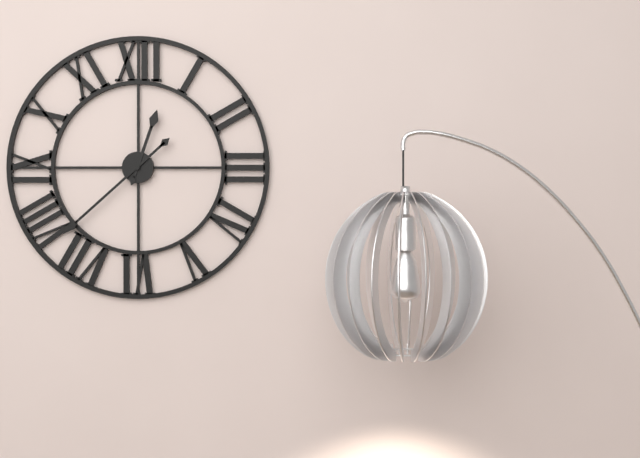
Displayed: 12 h 38 min
